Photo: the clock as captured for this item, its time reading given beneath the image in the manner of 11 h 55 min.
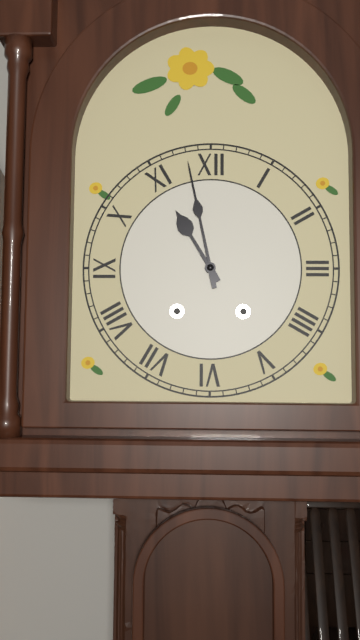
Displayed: 10 h 58 min
